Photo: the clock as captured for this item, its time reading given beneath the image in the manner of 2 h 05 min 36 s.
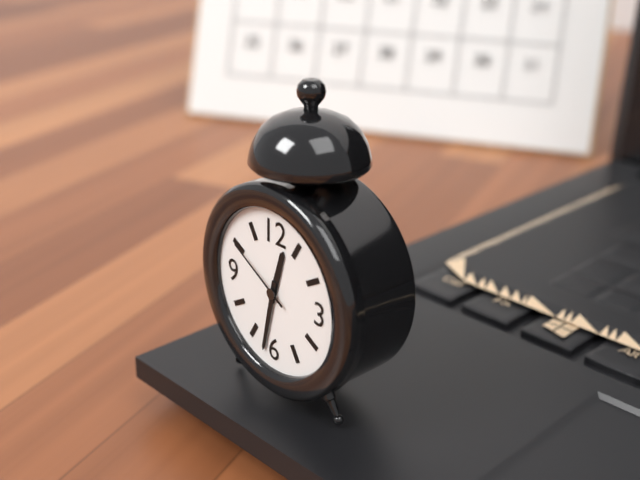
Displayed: 12 h 32 min 50 s
